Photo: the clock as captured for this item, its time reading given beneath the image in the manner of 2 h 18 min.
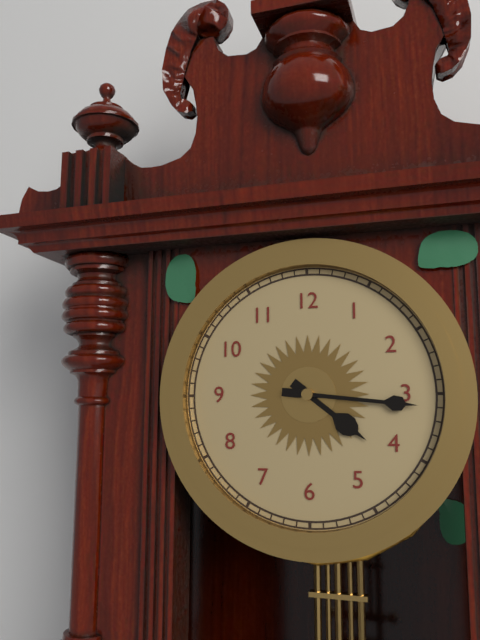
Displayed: 4 h 16 min
